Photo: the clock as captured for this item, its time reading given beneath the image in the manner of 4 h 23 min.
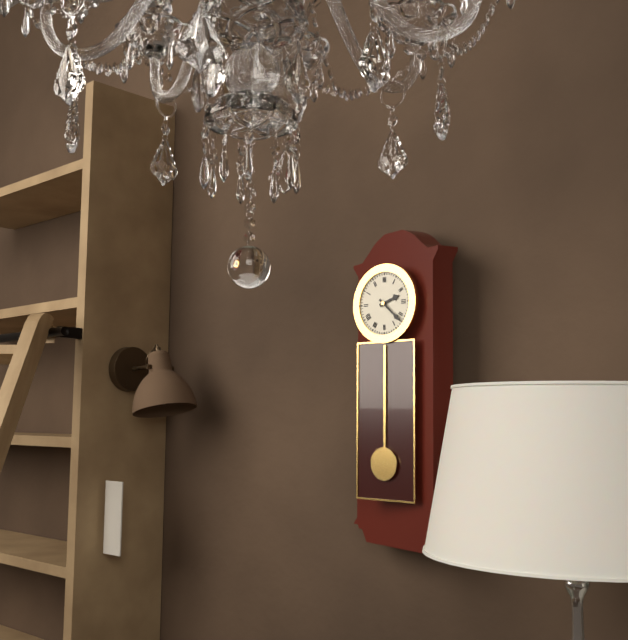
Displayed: 2 h 22 min
